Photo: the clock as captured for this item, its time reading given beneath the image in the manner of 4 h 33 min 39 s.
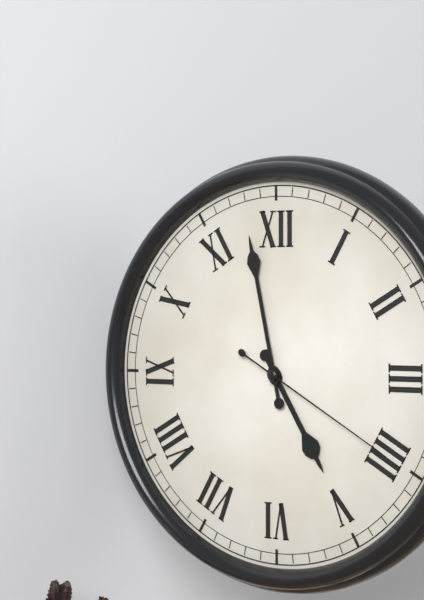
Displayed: 4 h 58 min 20 s
